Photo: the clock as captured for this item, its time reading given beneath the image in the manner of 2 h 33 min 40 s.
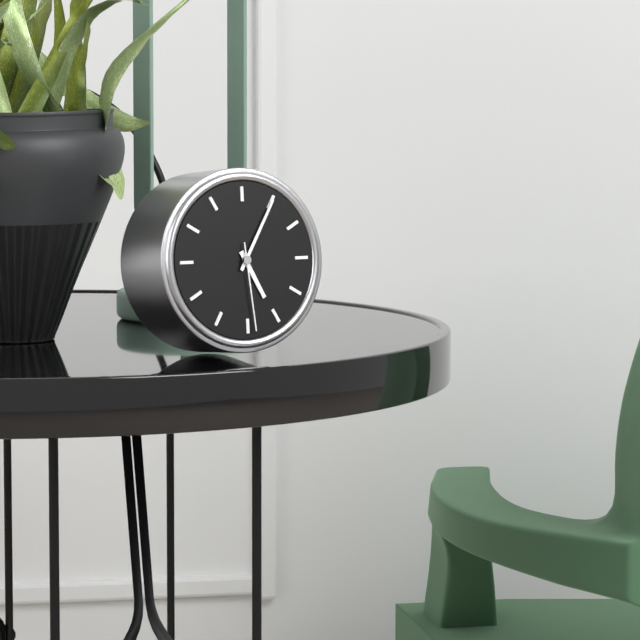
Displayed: 5 h 05 min 29 s
